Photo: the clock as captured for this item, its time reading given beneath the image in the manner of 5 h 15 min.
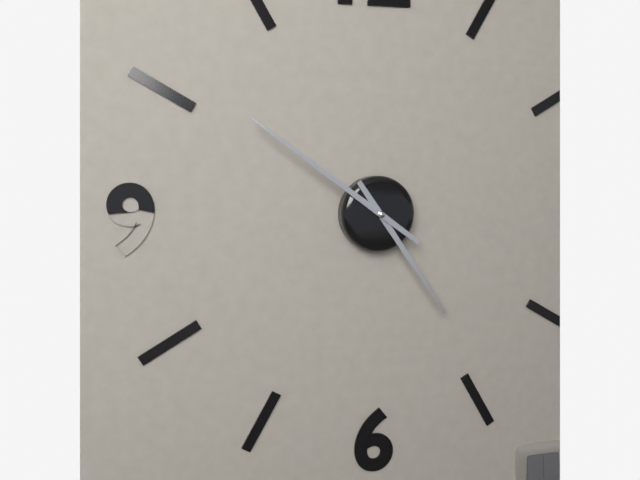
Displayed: 4 h 51 min
